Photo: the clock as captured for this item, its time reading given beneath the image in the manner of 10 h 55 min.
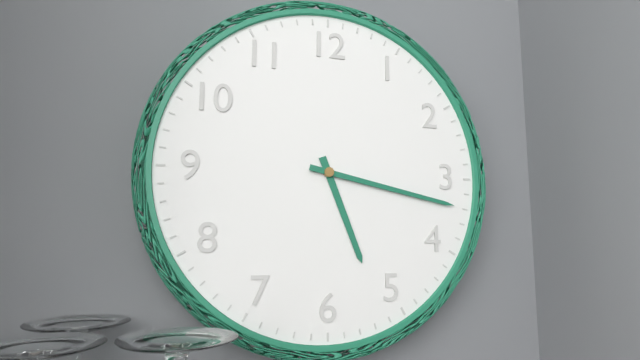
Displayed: 5 h 17 min
